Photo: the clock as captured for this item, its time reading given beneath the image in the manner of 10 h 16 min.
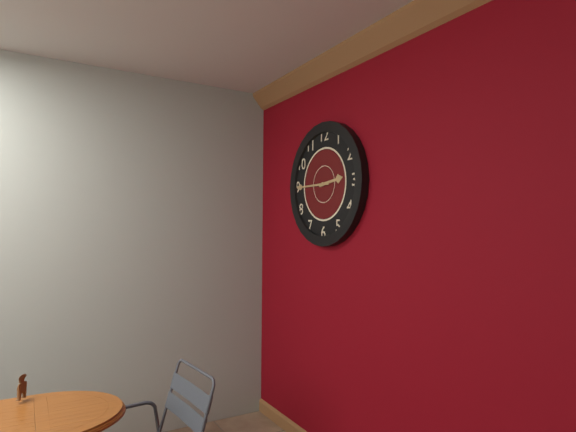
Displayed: 2 h 45 min
